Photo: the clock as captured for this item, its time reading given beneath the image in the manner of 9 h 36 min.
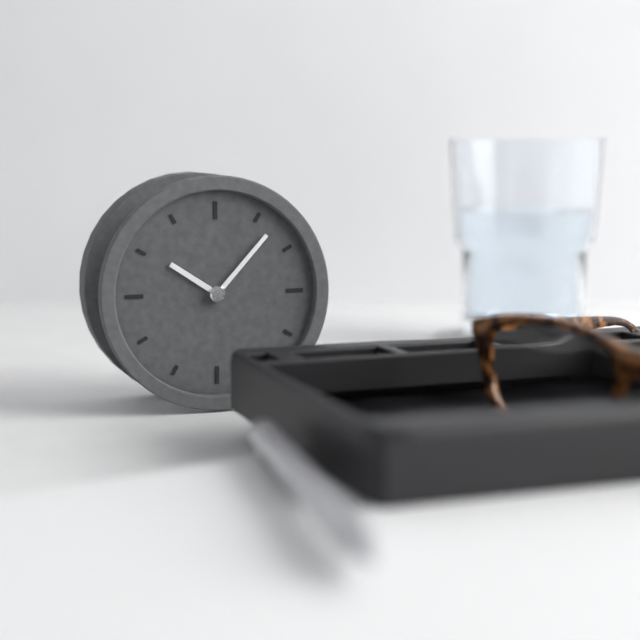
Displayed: 10 h 07 min
